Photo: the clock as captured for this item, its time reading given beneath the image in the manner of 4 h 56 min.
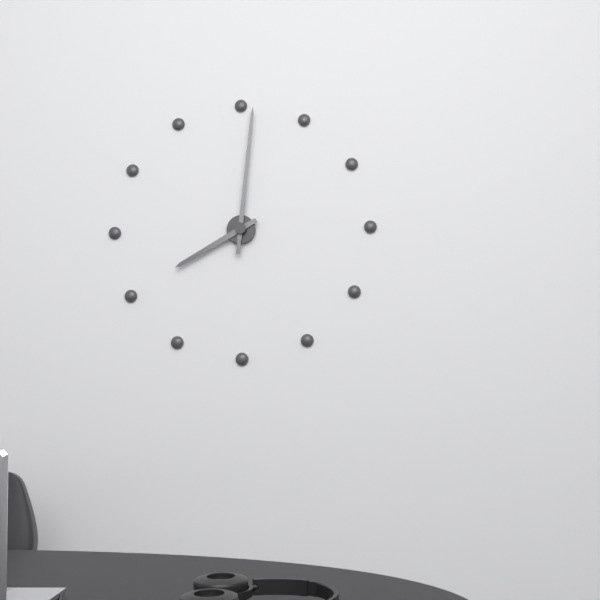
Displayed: 8 h 01 min
